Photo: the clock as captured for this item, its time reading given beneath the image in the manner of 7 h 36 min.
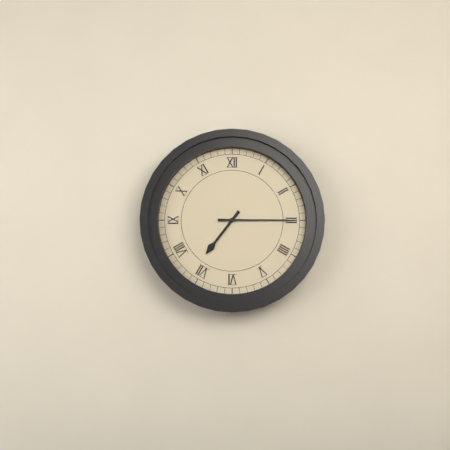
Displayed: 7 h 15 min
